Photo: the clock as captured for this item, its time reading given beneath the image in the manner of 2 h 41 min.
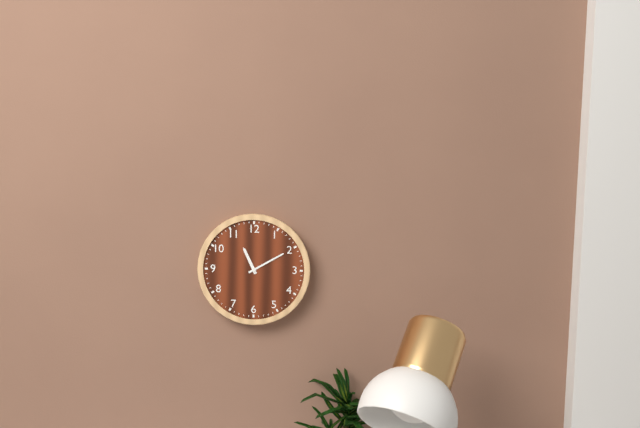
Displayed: 11 h 10 min
